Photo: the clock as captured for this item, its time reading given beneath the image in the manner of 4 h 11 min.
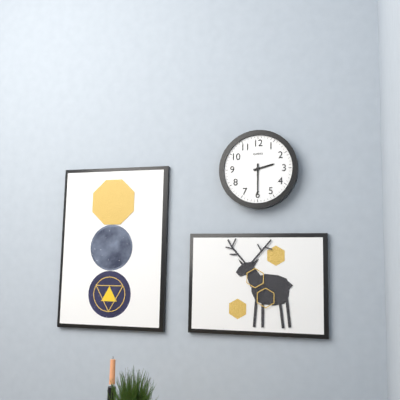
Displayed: 2 h 30 min
